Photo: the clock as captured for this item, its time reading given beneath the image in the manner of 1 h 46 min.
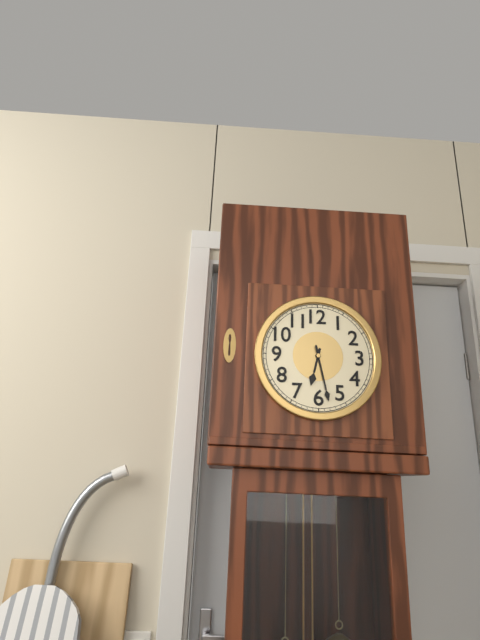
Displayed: 6 h 28 min
